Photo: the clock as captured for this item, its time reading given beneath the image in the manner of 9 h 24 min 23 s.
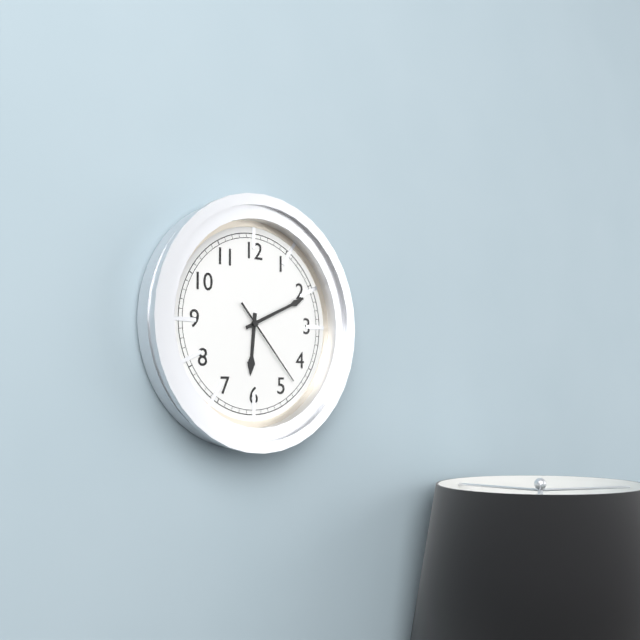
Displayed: 6 h 11 min 23 s
